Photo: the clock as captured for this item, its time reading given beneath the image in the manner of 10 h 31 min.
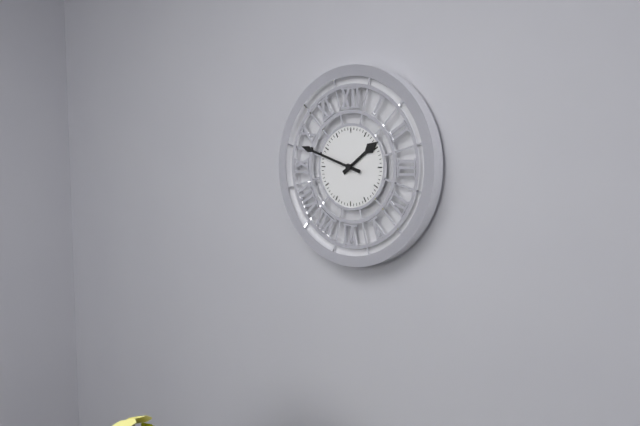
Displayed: 1 h 48 min
